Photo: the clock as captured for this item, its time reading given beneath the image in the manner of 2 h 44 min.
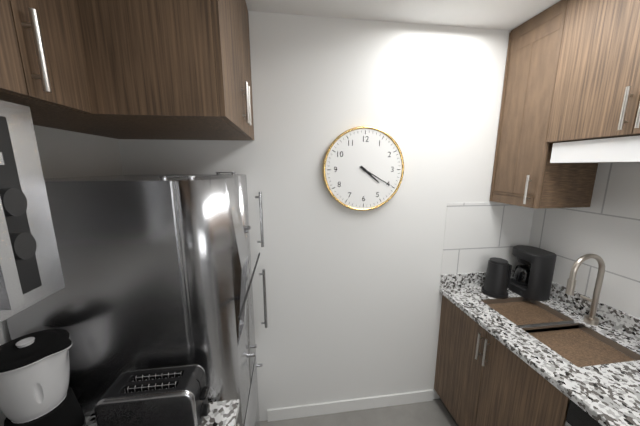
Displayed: 4 h 20 min
